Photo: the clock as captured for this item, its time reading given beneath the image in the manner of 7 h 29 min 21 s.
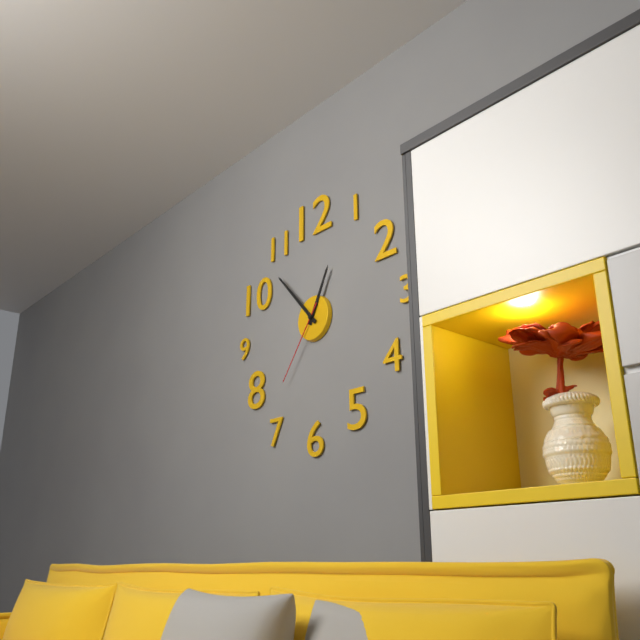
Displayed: 12 h 53 min 36 s
